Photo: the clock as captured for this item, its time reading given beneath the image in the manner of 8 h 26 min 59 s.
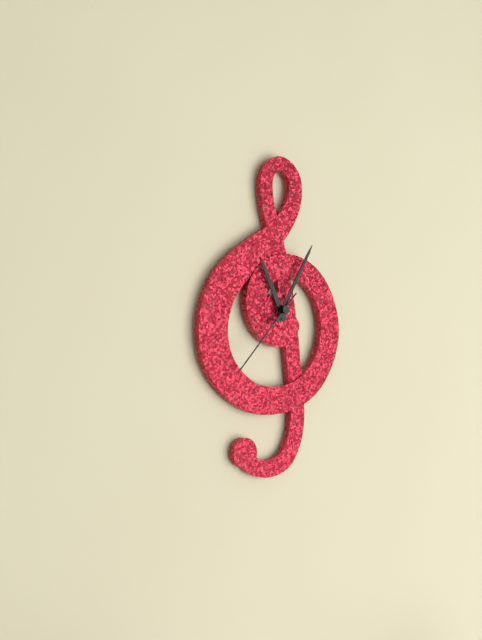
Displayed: 11 h 05 min 37 s
